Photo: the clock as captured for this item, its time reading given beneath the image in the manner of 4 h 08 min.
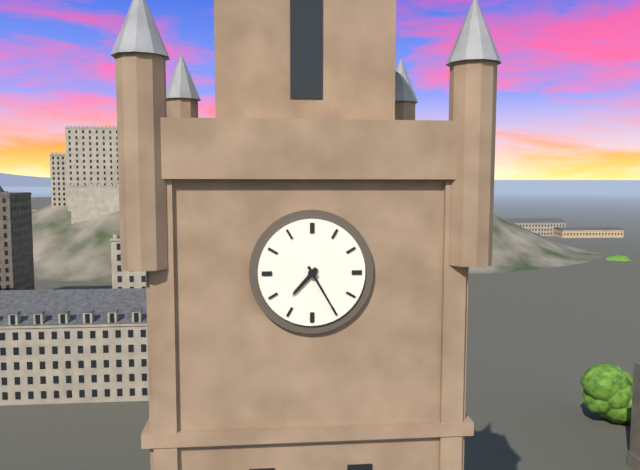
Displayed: 7 h 25 min
